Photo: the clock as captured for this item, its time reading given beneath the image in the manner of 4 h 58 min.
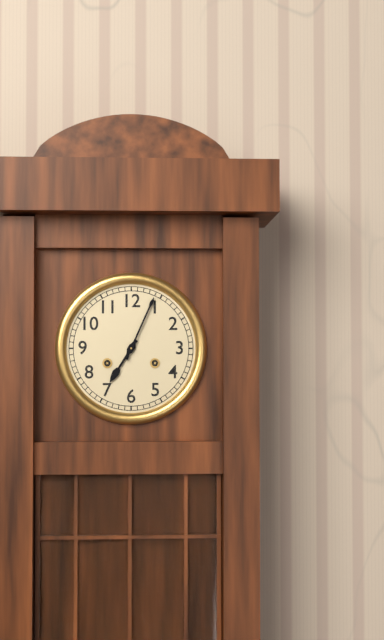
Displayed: 7 h 04 min
